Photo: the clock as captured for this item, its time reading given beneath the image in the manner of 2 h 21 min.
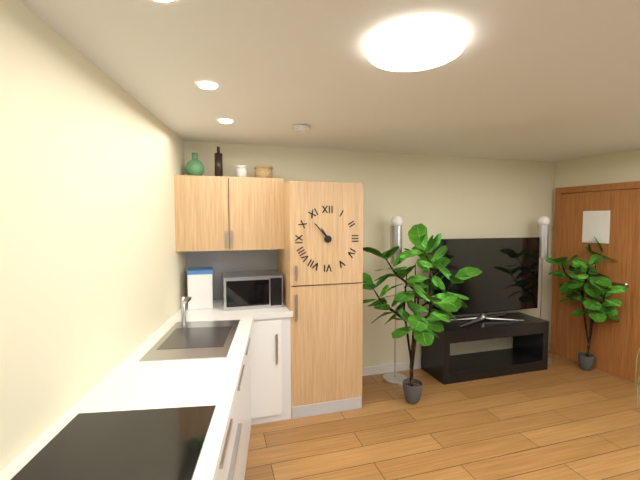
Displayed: 10 h 53 min
